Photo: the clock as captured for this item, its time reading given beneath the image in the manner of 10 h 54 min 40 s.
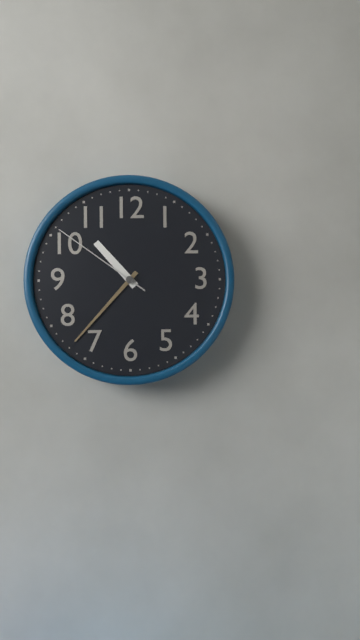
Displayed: 10 h 37 min 51 s
